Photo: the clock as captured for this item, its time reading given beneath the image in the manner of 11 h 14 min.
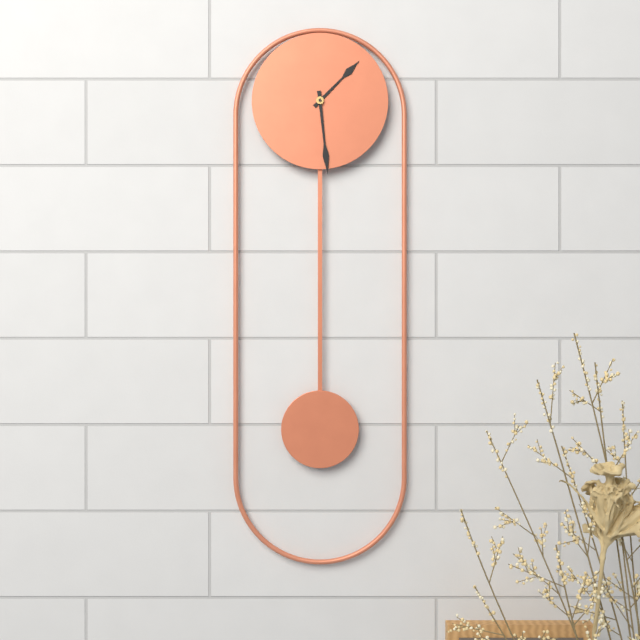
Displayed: 1 h 29 min
